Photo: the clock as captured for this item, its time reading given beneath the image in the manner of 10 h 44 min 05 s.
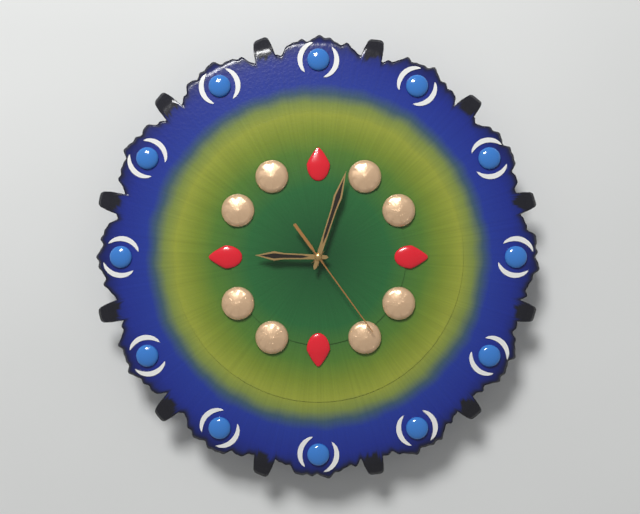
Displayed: 9 h 03 min 24 s
